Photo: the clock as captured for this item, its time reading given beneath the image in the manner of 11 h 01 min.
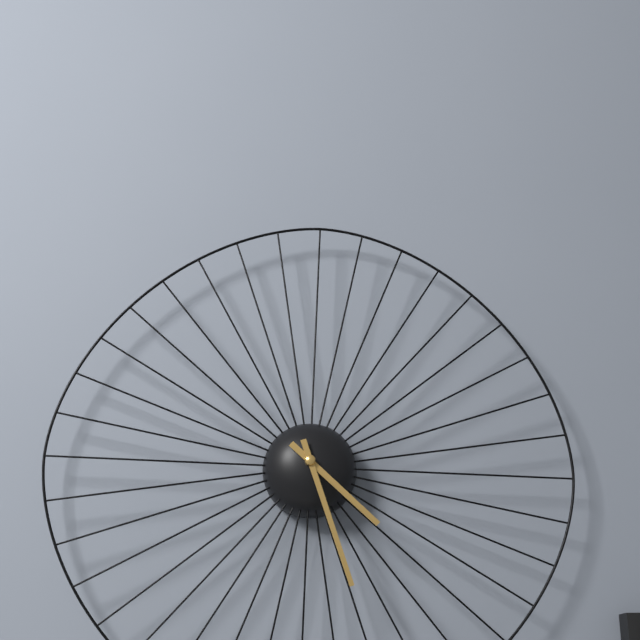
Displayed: 4 h 27 min
